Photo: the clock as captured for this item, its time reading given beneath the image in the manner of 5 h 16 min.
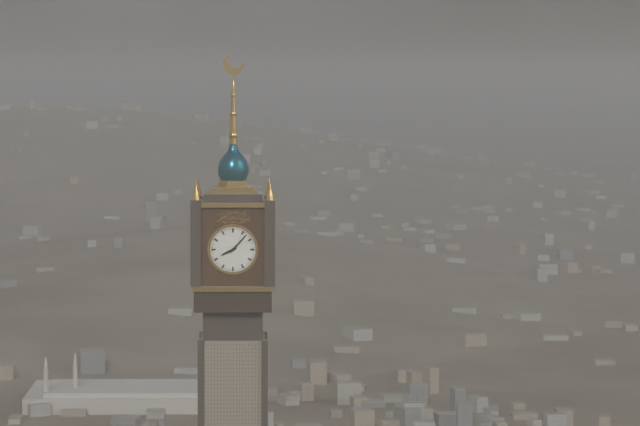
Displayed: 8 h 07 min
